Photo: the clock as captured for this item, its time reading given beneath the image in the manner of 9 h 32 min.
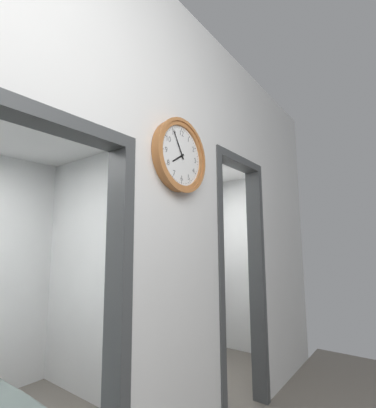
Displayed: 7 h 55 min
